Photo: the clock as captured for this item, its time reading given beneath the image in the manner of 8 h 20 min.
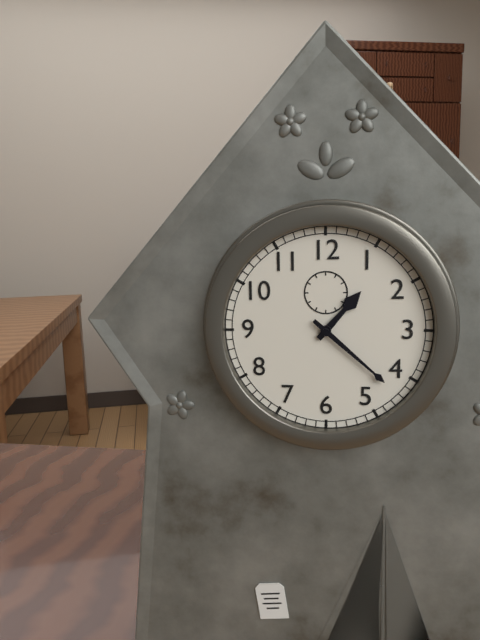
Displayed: 1 h 22 min
